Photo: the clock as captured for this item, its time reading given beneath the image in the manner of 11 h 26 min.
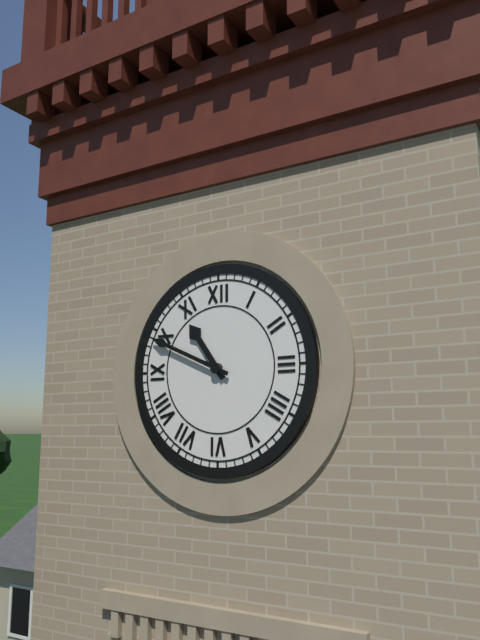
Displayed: 10 h 49 min
